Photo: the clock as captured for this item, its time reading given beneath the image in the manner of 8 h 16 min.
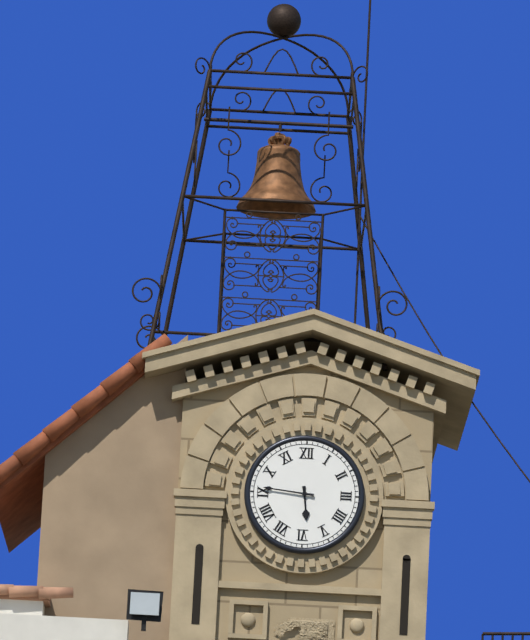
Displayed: 5 h 46 min
